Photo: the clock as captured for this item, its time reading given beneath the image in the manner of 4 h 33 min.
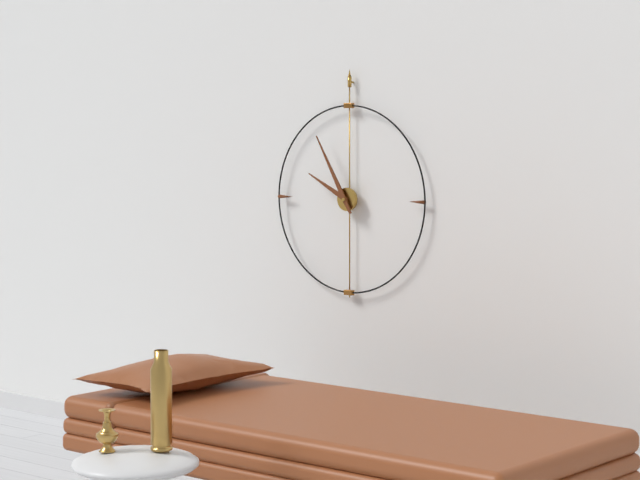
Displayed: 9 h 55 min
